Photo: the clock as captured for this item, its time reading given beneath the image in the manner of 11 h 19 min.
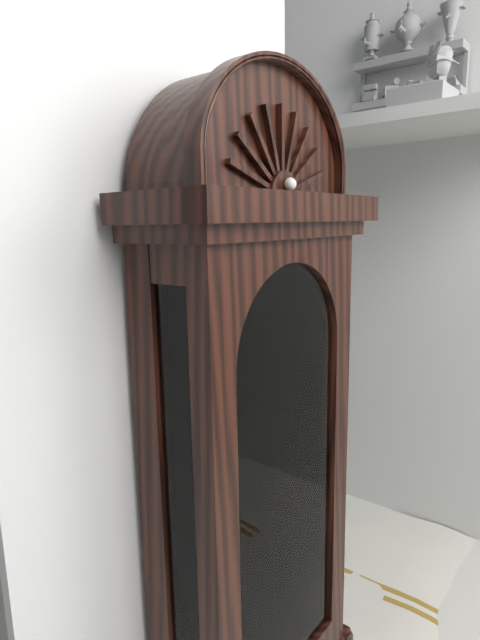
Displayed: 2 h 28 min
